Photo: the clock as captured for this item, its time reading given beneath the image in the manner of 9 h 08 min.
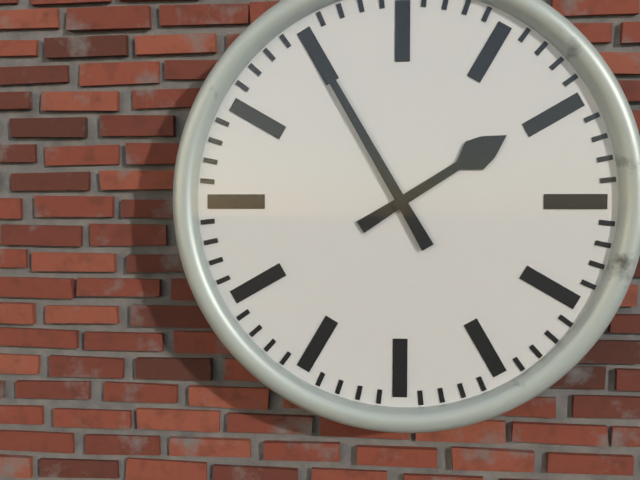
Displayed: 1 h 55 min
